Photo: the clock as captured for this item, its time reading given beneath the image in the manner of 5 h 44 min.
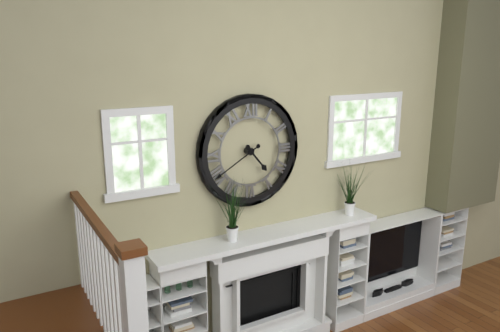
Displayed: 4 h 40 min
